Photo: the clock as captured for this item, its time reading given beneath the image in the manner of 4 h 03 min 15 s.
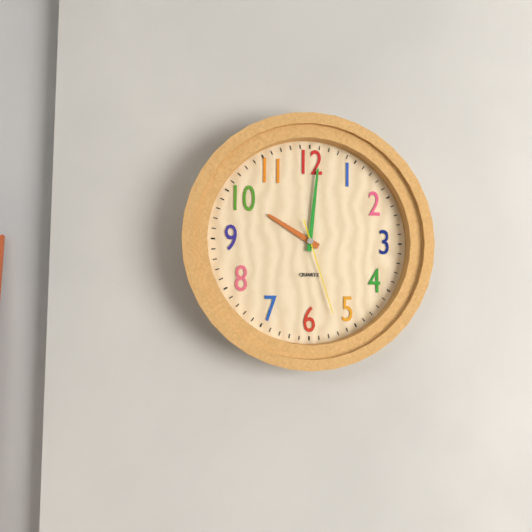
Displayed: 10 h 01 min 27 s
